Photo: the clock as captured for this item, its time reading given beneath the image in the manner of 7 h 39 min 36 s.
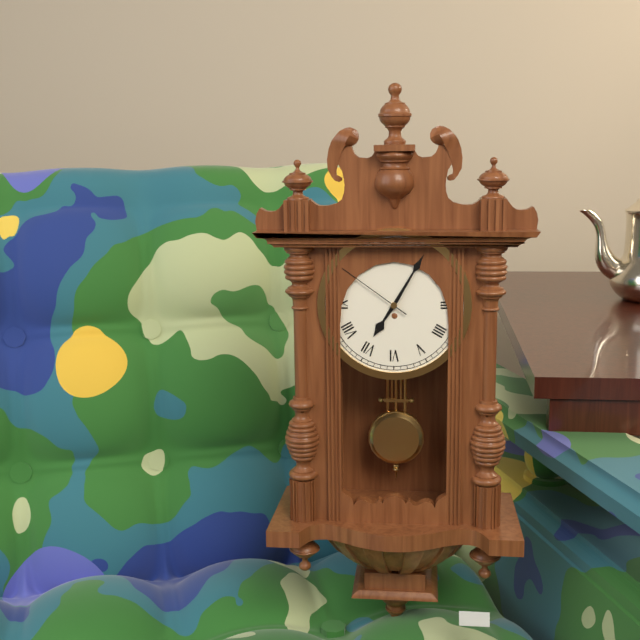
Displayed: 7 h 05 min 51 s
